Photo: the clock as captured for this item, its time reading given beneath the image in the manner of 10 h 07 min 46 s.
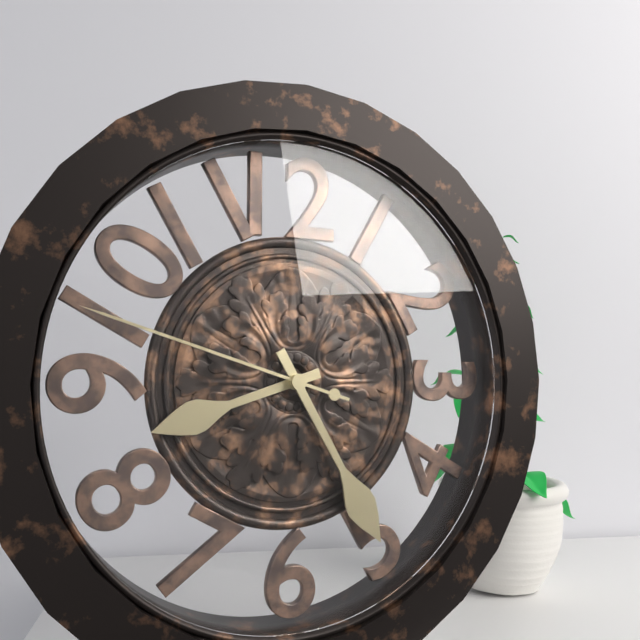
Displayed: 8 h 25 min 48 s
